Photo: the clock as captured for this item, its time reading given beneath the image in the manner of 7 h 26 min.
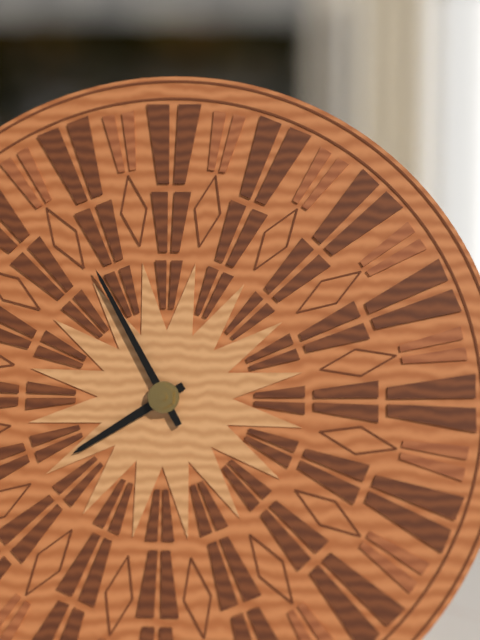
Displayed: 7 h 55 min
